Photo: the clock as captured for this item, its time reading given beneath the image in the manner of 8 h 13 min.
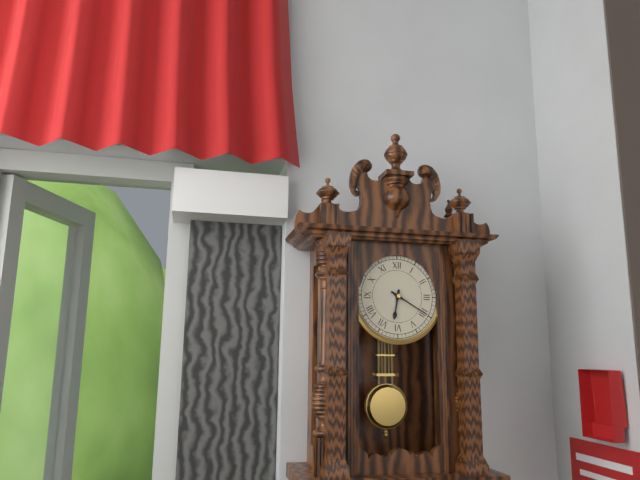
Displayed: 6 h 20 min
